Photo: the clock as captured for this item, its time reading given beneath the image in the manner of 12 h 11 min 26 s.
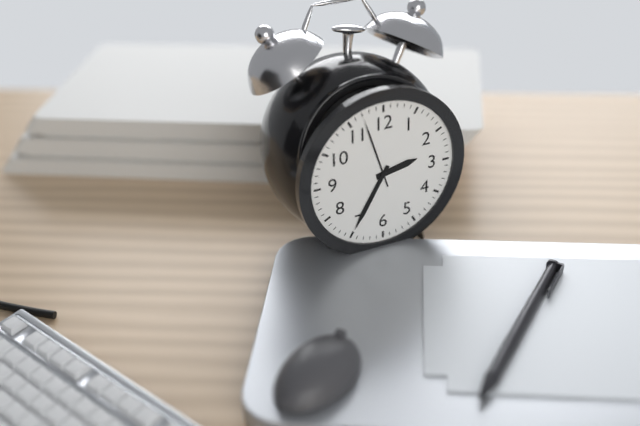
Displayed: 2 h 35 min 57 s
